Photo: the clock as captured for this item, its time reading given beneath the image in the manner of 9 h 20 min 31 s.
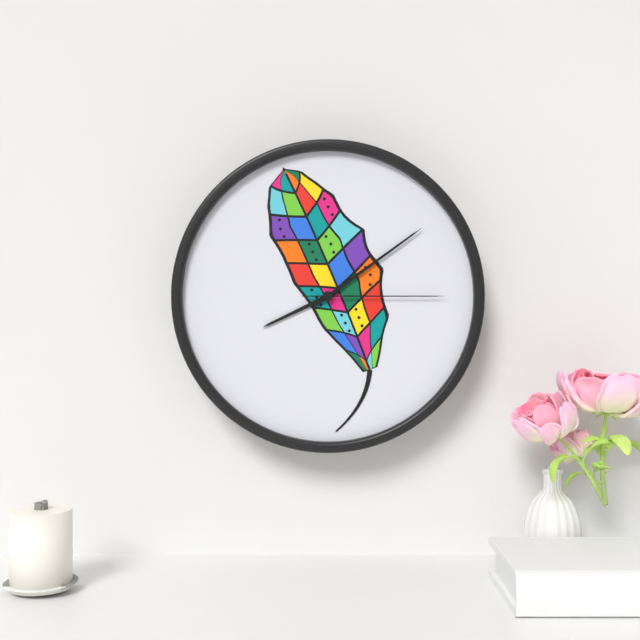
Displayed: 8 h 09 min 15 s
